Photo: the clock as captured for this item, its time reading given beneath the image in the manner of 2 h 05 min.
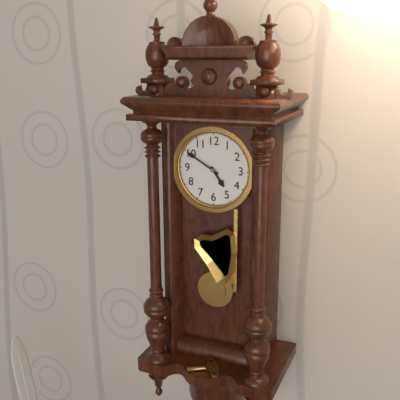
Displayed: 4 h 50 min
